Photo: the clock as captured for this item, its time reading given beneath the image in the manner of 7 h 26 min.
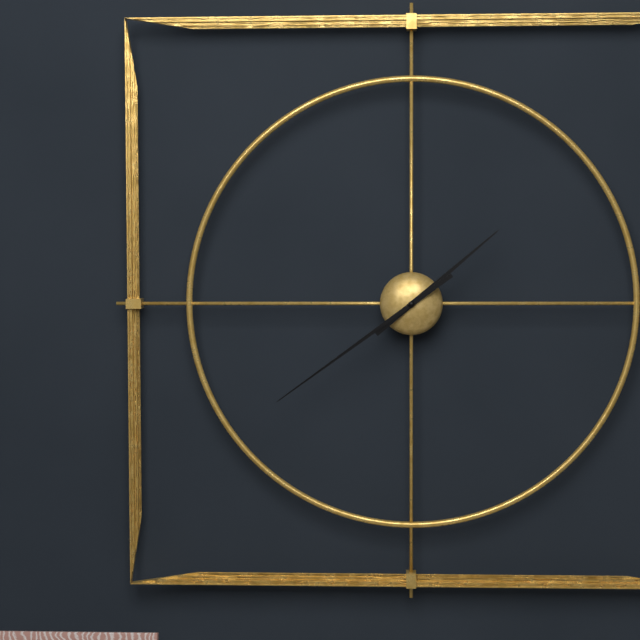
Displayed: 1 h 39 min
